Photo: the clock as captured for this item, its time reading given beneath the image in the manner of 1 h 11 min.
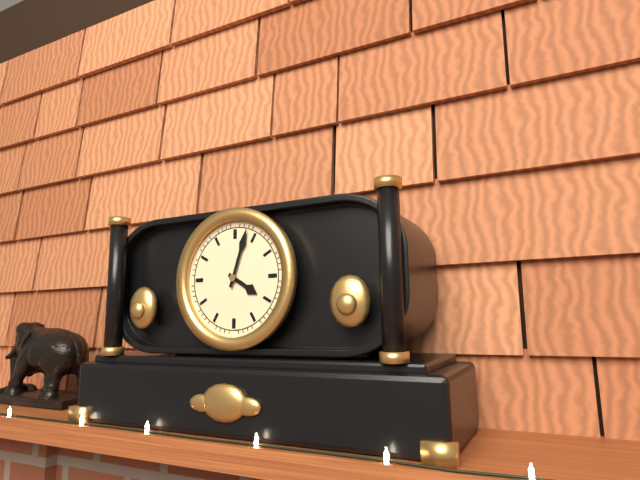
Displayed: 4 h 03 min
